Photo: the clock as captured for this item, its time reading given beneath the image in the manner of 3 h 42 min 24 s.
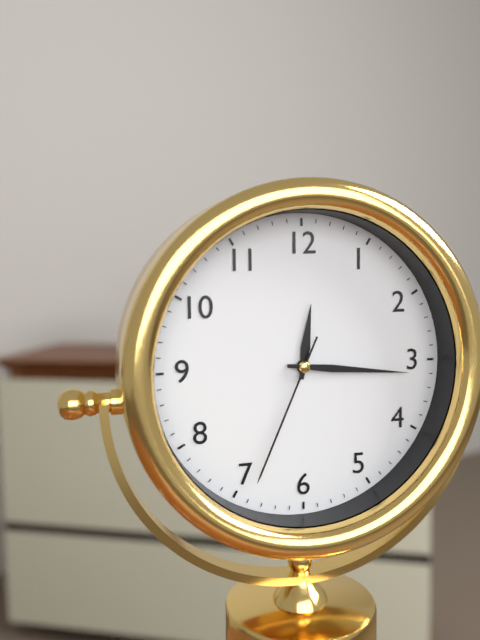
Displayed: 12 h 16 min 34 s
